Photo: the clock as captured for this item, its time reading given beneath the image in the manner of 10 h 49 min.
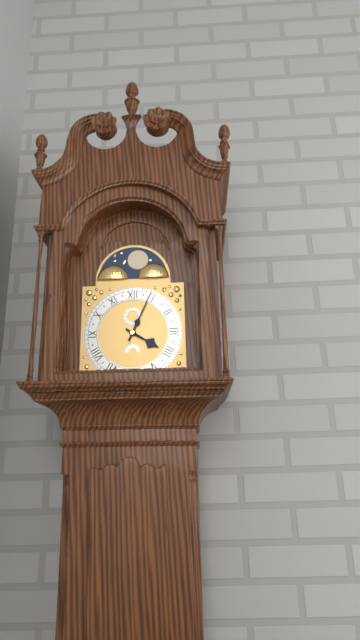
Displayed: 4 h 04 min
